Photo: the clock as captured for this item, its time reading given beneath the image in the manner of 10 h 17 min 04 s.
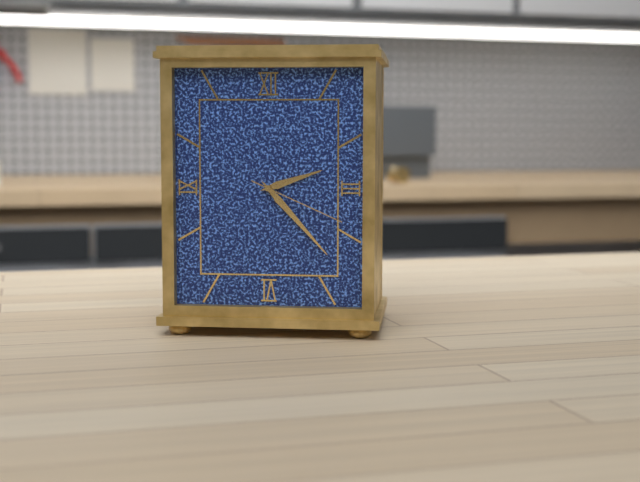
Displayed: 2 h 23 min 19 s
